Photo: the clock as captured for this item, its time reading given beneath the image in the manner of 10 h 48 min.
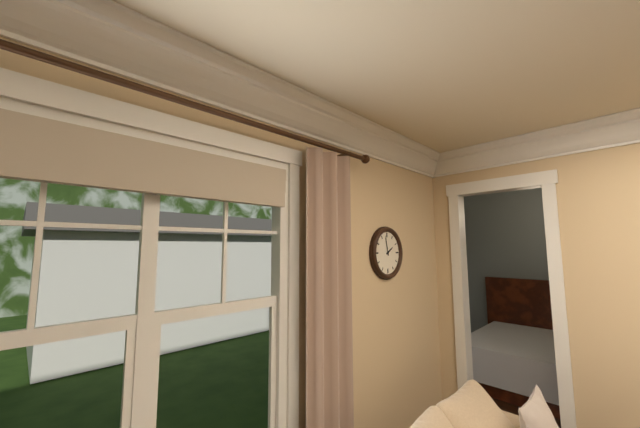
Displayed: 1 h 58 min
